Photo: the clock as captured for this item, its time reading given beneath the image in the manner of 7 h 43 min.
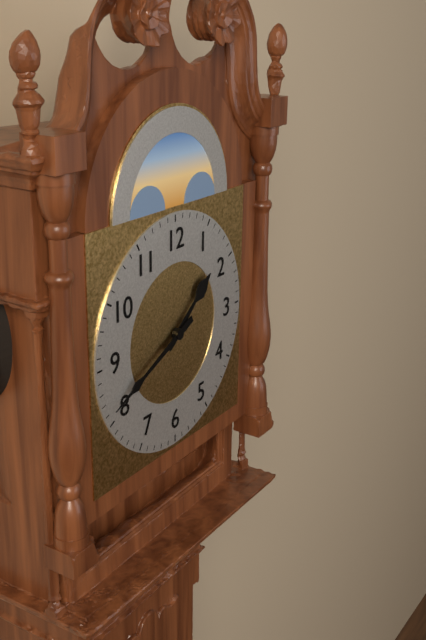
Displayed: 1 h 41 min
